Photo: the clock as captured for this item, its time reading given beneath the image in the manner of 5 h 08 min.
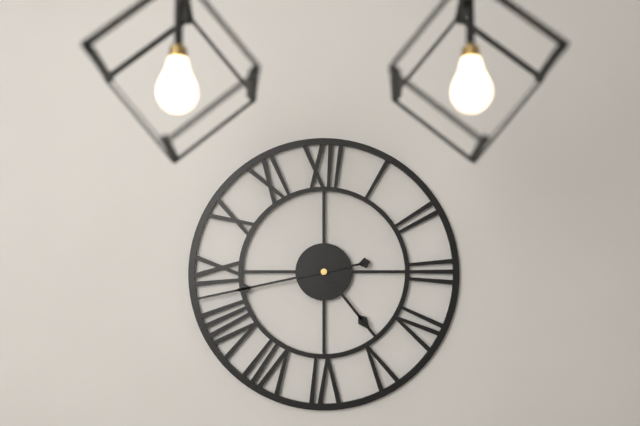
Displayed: 4 h 43 min
